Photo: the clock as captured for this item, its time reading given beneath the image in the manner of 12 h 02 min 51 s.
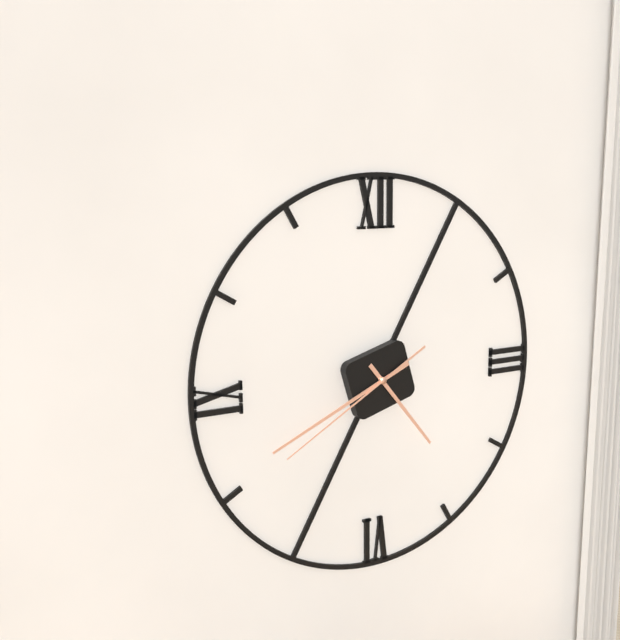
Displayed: 4 h 41 min 40 s
